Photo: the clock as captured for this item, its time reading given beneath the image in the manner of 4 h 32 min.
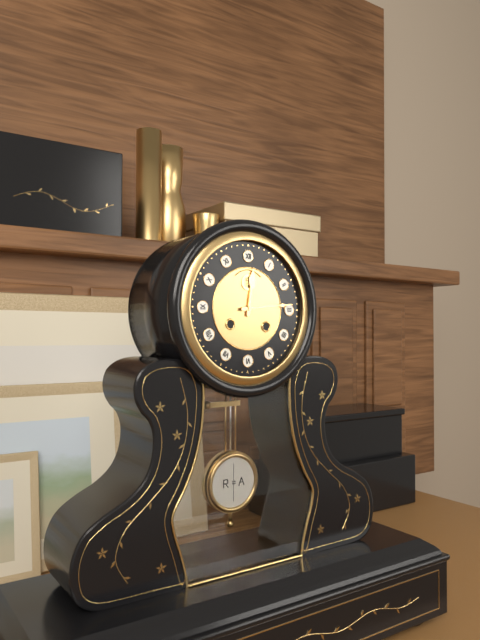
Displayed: 12 h 14 min
